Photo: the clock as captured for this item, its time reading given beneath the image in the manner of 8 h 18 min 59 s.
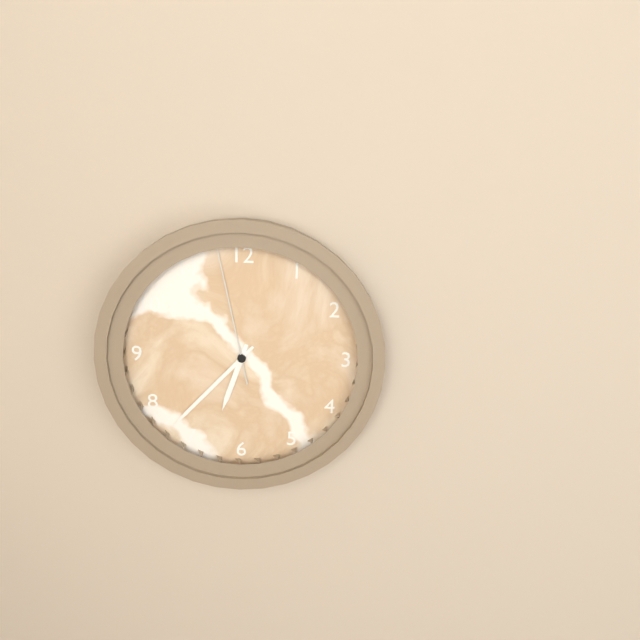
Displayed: 6 h 37 min 58 s
